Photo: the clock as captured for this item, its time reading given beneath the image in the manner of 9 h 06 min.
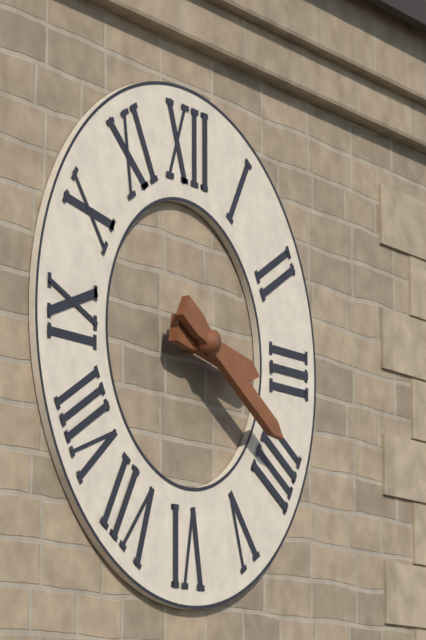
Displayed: 3 h 20 min
